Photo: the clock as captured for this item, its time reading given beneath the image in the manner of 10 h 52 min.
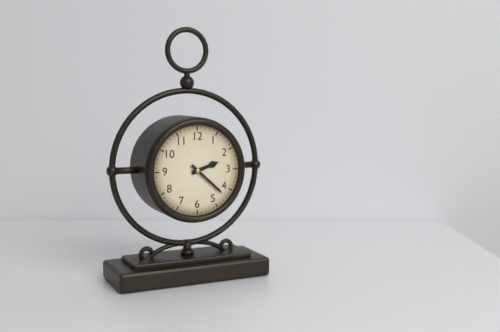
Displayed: 2 h 22 min
